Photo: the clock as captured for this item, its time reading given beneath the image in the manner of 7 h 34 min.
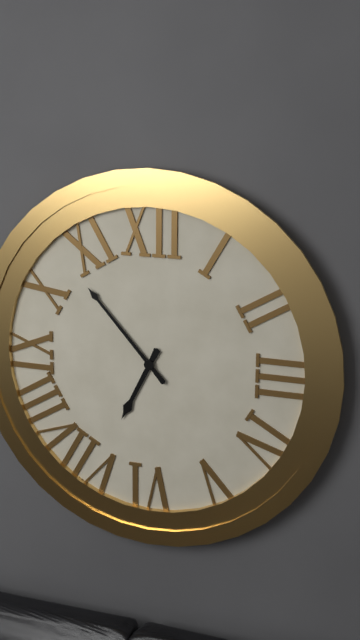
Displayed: 6 h 53 min
